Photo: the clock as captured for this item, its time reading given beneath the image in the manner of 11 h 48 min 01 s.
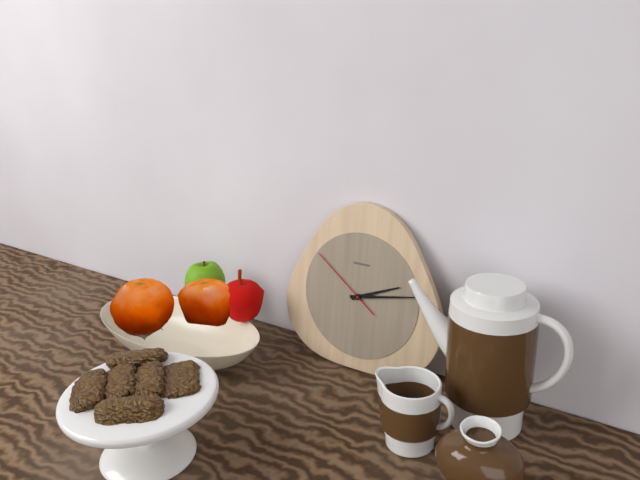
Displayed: 2 h 13 min 51 s
